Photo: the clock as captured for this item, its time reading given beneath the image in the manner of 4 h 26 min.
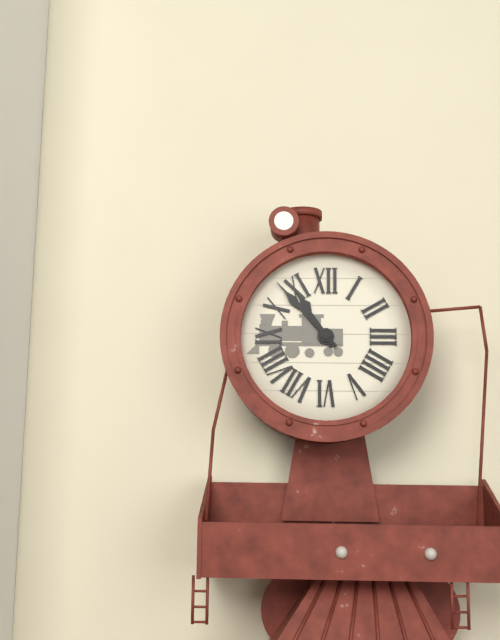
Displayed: 10 h 53 min
